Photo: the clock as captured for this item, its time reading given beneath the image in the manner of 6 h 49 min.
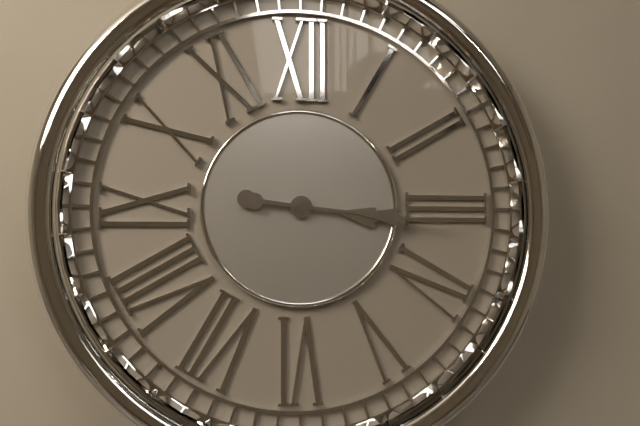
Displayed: 3 h 16 min
